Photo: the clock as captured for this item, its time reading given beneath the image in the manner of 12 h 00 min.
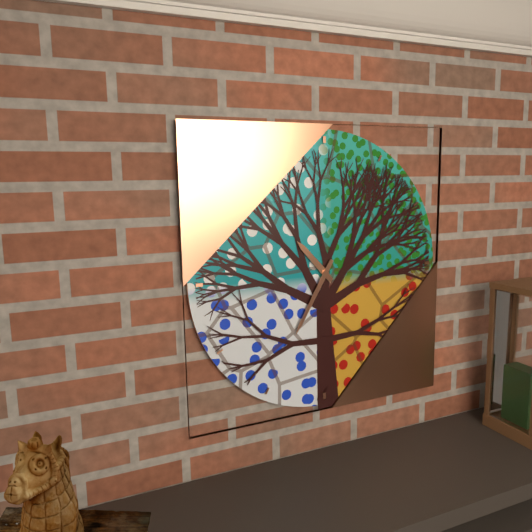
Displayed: 10 h 35 min
